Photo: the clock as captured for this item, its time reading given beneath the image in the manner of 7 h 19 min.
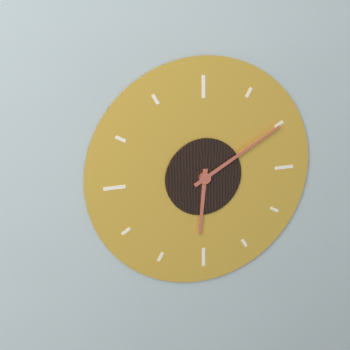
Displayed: 6 h 10 min
